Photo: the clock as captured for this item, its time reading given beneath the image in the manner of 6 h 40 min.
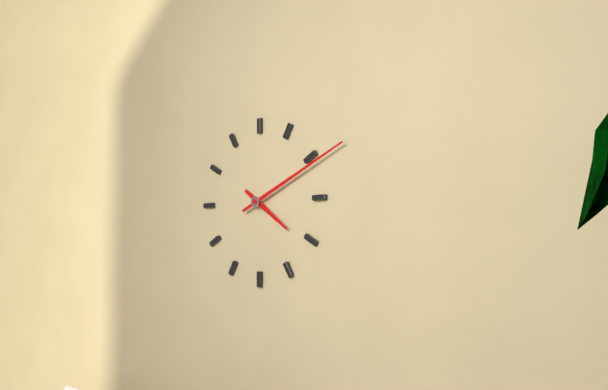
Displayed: 4 h 11 min
